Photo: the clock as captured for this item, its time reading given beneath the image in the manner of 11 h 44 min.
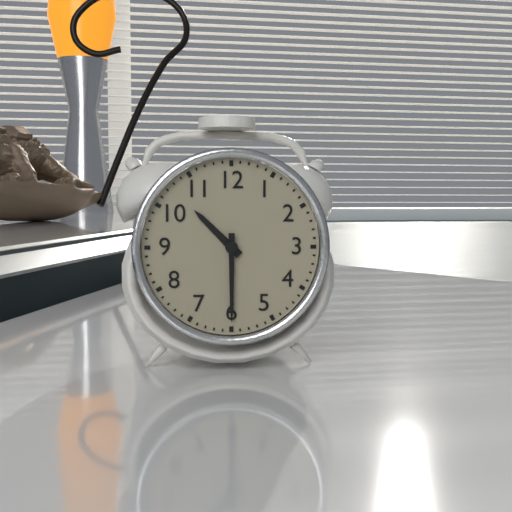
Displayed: 10 h 30 min
